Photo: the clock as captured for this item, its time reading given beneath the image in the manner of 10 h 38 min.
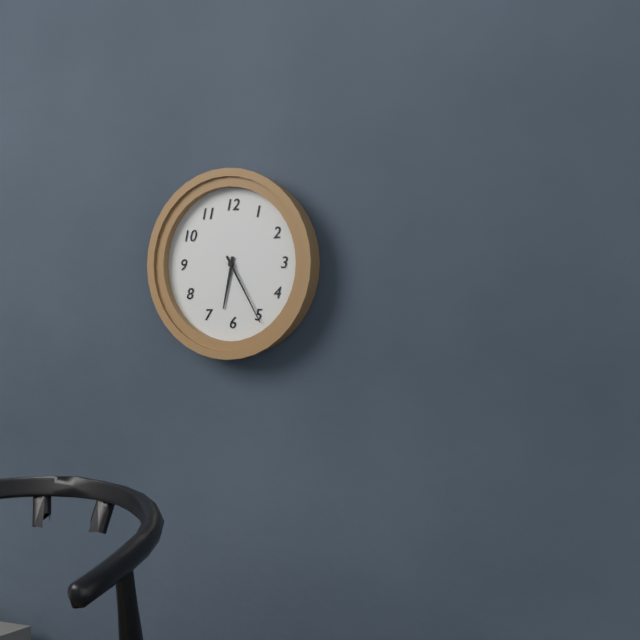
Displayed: 6 h 25 min
